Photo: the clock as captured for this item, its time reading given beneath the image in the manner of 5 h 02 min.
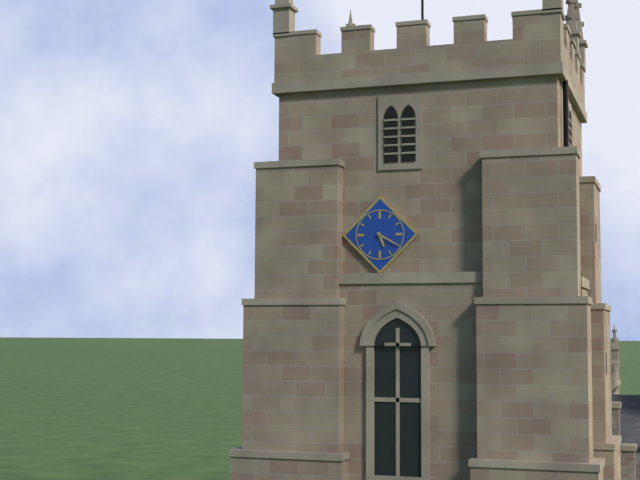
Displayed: 5 h 20 min
